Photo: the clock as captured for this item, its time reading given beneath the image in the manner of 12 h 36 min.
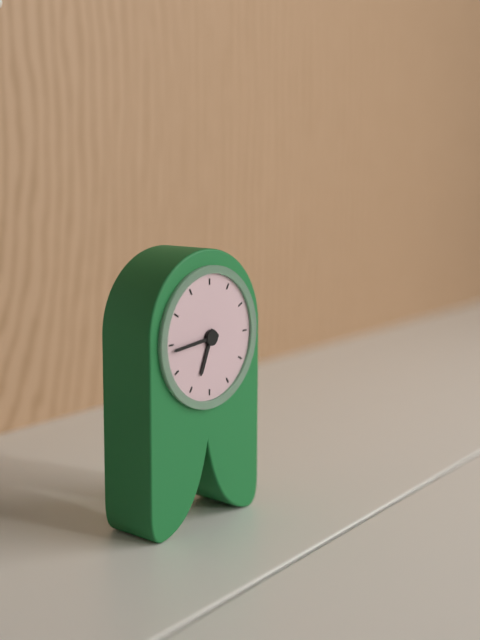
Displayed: 6 h 44 min
